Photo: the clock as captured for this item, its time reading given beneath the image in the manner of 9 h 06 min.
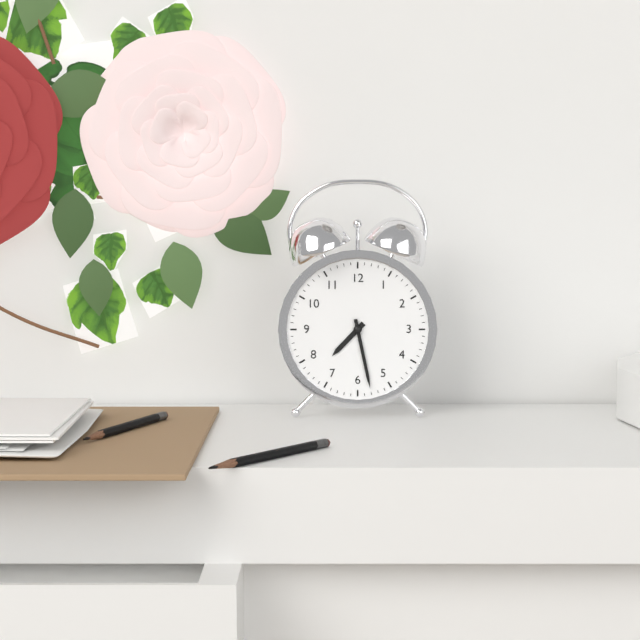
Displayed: 7 h 28 min
